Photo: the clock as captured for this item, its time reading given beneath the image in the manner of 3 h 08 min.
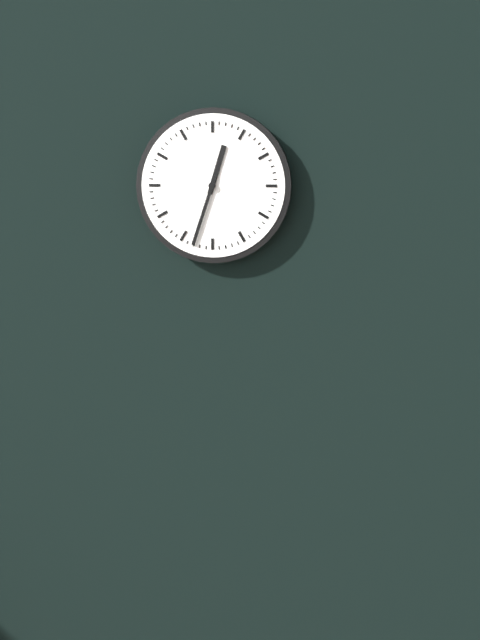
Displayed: 12 h 33 min
